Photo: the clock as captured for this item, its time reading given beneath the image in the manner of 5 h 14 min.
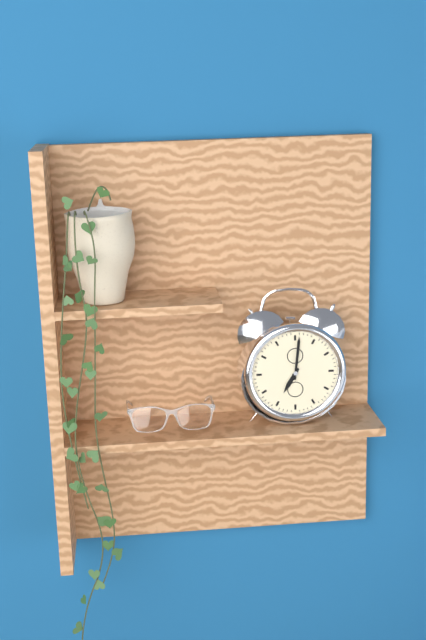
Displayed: 7 h 01 min
